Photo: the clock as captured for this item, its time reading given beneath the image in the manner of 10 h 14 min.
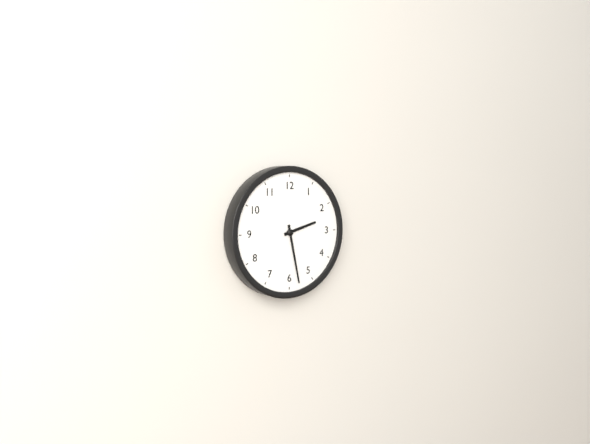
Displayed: 2 h 28 min
